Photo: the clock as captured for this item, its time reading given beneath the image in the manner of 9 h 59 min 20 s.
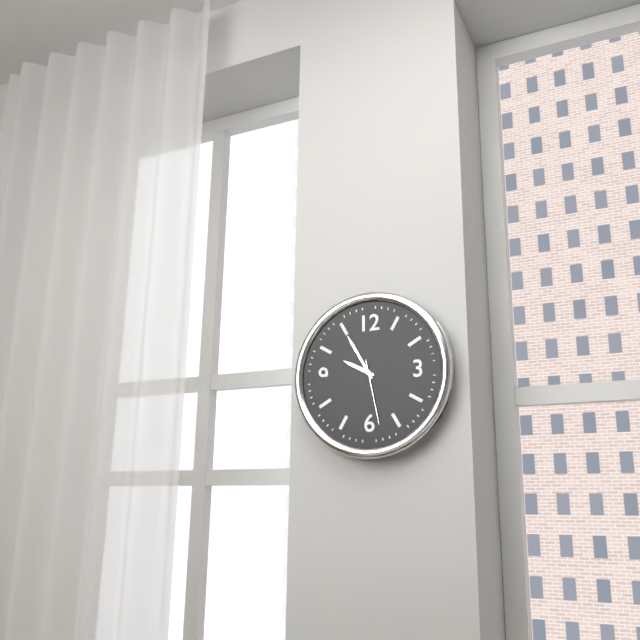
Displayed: 9 h 55 min 28 s
